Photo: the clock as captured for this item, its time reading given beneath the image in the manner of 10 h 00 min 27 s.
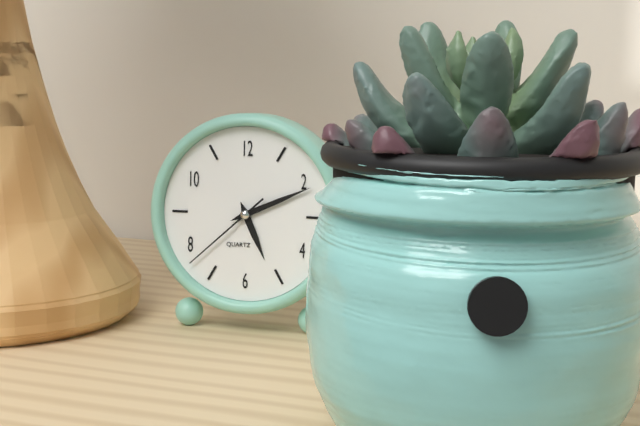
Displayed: 5 h 11 min 38 s
